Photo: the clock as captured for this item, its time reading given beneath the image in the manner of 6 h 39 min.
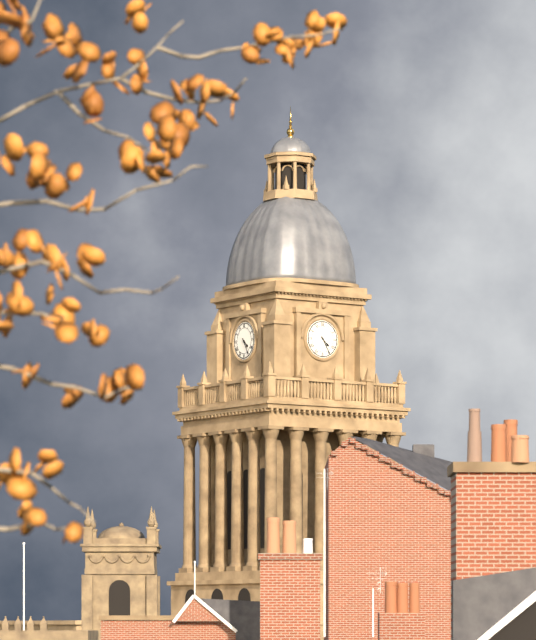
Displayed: 4 h 25 min
